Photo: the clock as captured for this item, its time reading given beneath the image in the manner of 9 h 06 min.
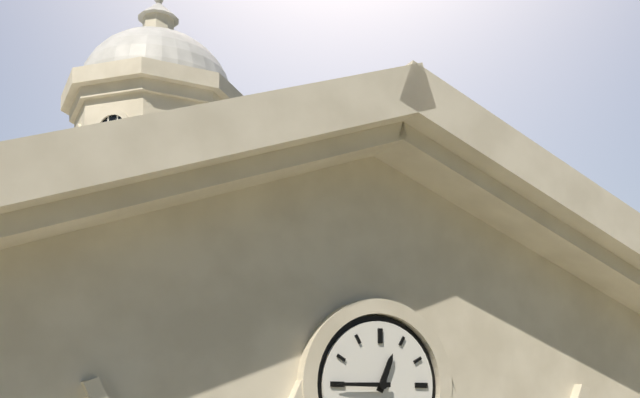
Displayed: 12 h 45 min
